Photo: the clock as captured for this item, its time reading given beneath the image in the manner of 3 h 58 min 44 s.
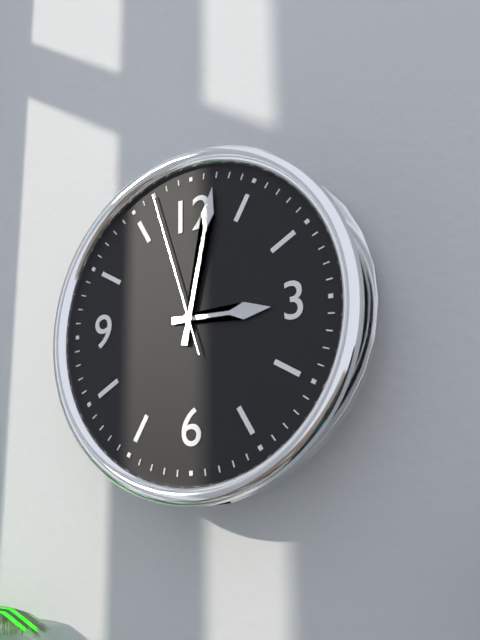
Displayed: 3 h 02 min 57 s
